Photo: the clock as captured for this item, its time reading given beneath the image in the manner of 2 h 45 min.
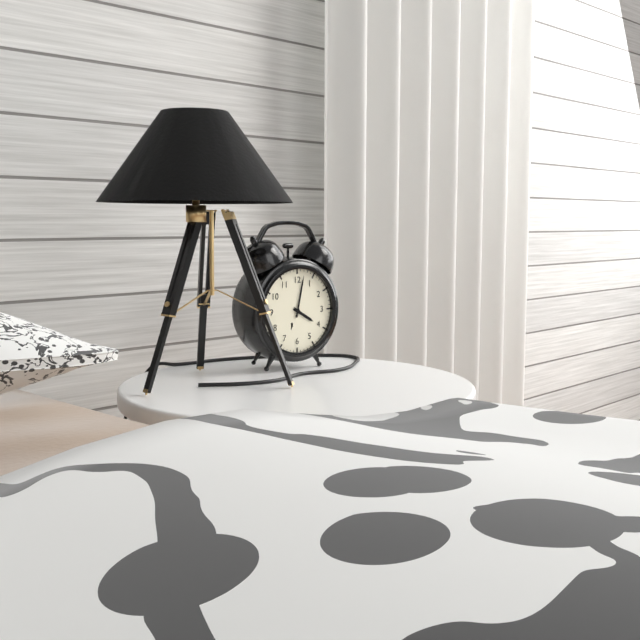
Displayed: 4 h 02 min
